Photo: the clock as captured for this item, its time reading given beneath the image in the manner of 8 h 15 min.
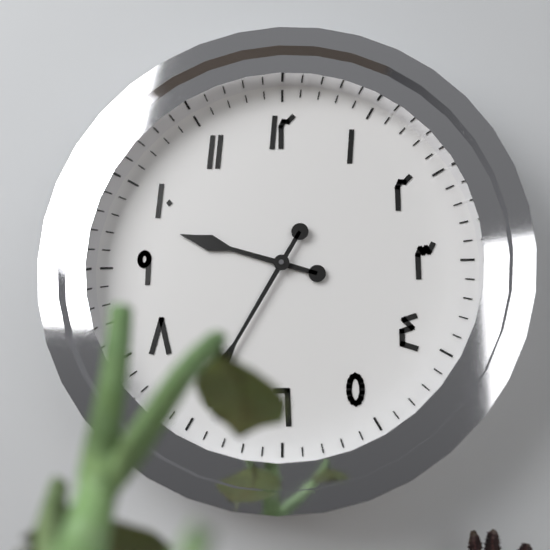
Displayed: 9 h 35 min
